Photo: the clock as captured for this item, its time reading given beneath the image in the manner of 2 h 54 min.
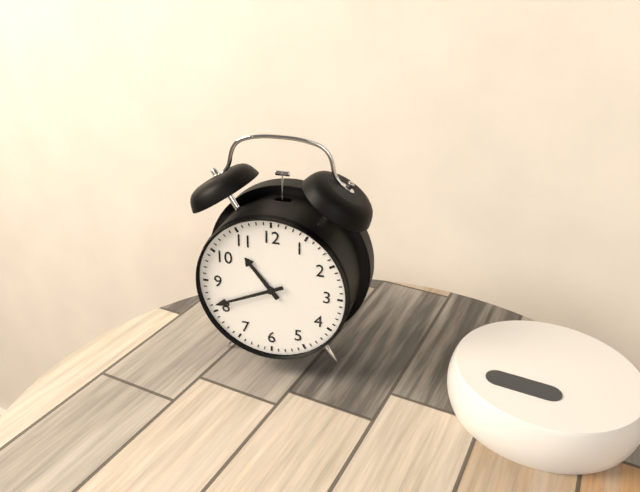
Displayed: 10 h 41 min
